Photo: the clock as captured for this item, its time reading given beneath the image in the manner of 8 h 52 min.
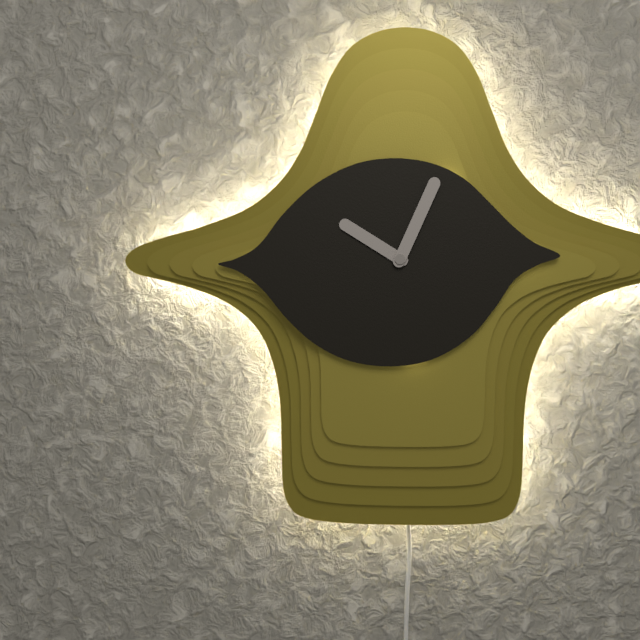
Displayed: 10 h 04 min
